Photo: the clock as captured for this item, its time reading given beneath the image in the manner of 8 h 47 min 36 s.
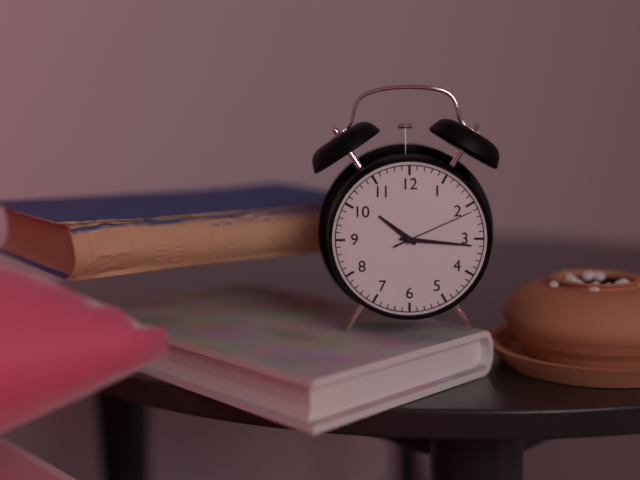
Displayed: 10 h 16 min 11 s
